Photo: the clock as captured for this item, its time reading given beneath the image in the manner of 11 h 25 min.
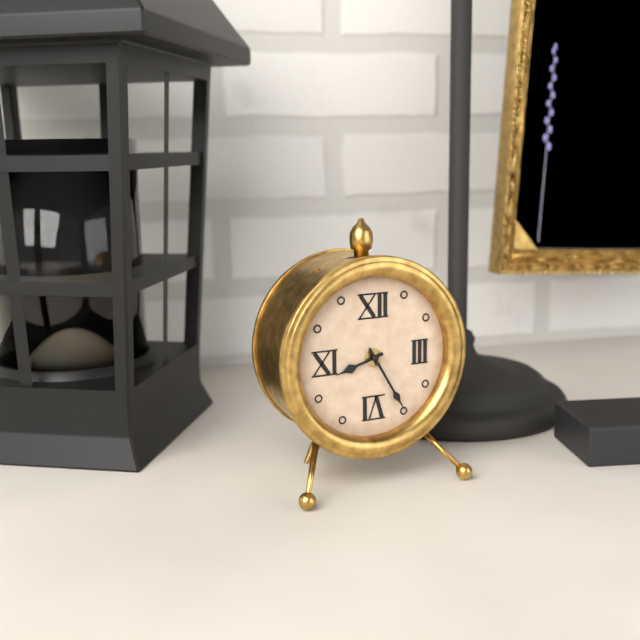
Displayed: 8 h 25 min
